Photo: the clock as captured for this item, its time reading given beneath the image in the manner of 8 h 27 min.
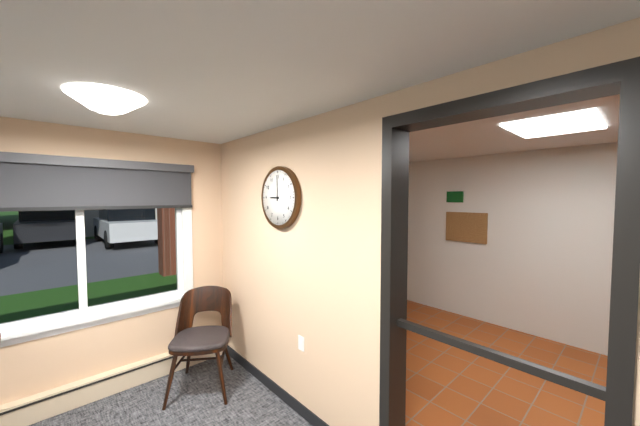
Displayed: 9 h 00 min
